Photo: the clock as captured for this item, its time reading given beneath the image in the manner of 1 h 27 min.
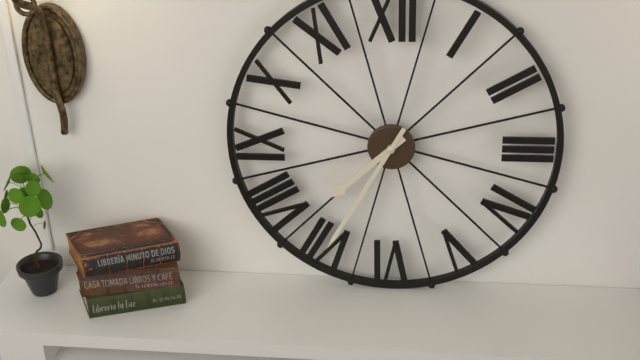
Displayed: 7 h 35 min
